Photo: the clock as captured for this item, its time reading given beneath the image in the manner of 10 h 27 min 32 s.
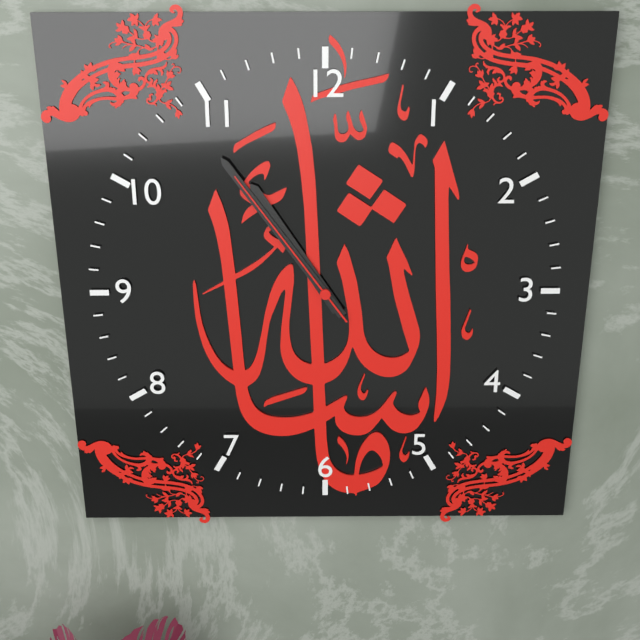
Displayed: 10 h 54 min 54 s
